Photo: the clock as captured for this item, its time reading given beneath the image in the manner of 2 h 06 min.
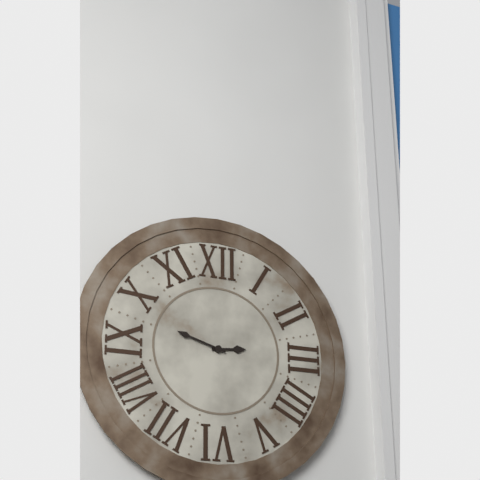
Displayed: 2 h 48 min
